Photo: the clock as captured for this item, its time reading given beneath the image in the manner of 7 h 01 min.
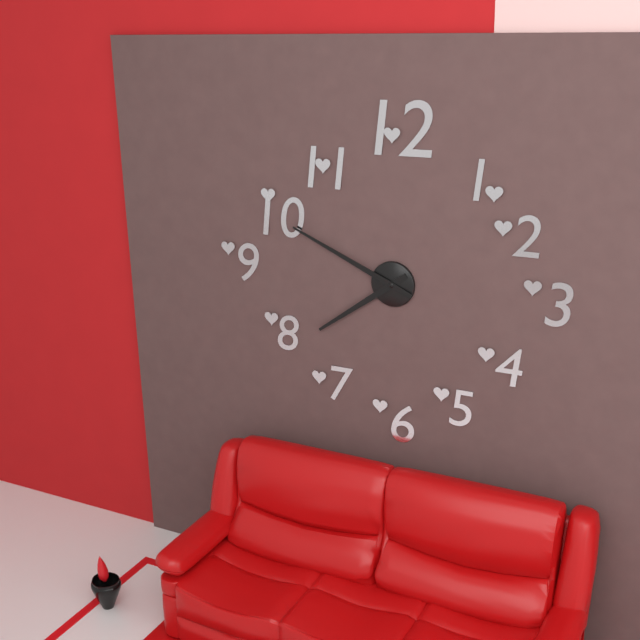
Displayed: 7 h 49 min
